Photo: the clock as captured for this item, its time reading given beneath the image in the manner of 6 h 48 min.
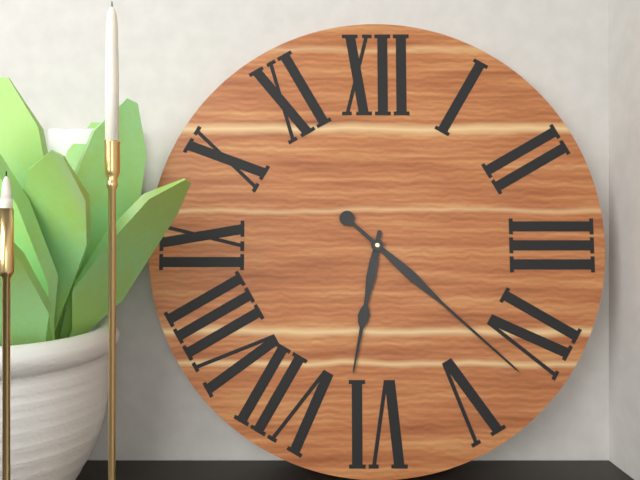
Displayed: 6 h 22 min
